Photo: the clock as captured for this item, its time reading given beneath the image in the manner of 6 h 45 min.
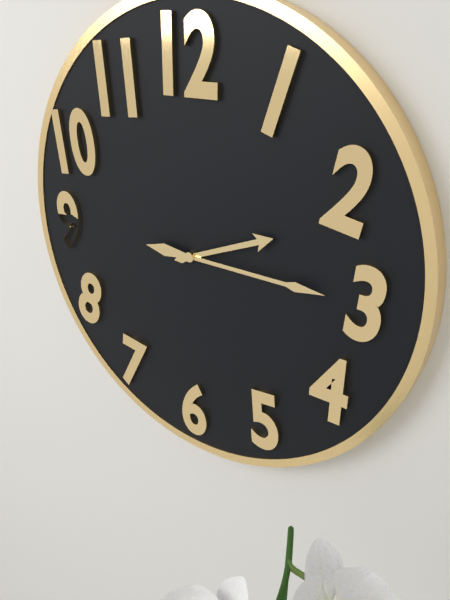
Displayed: 2 h 15 min
